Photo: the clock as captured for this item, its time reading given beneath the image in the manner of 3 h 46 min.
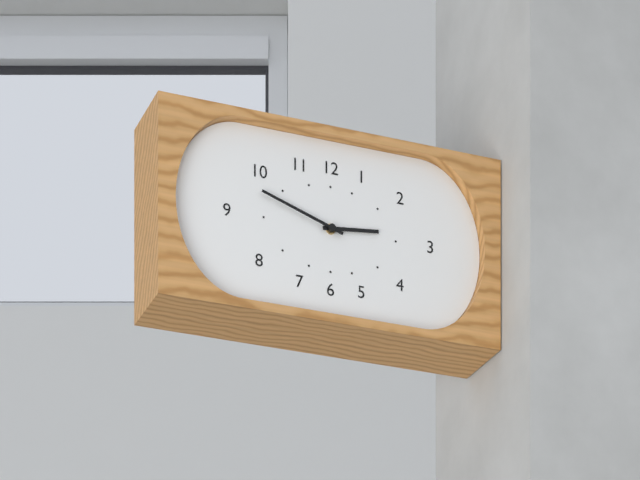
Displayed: 2 h 48 min
